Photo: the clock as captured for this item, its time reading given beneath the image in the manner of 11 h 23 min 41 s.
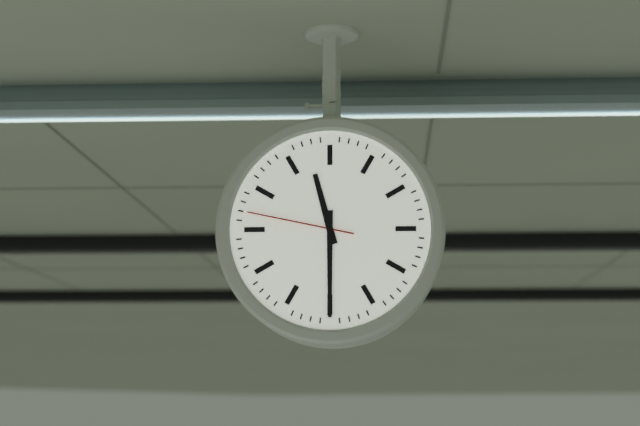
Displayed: 11 h 30 min 47 s
